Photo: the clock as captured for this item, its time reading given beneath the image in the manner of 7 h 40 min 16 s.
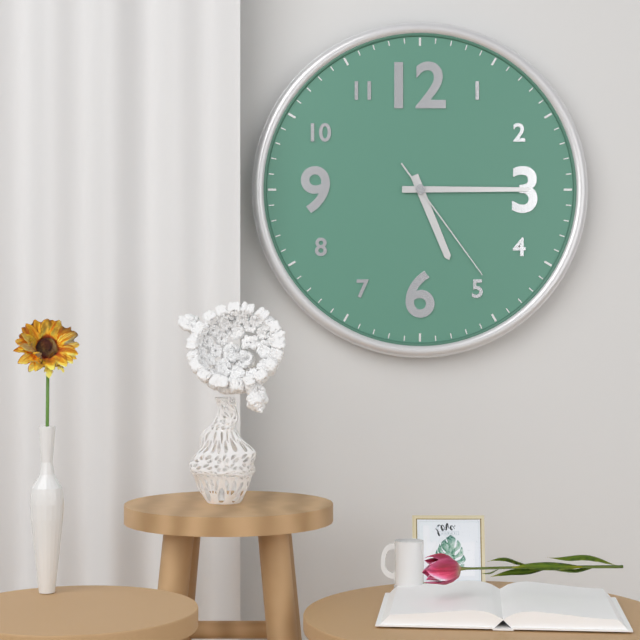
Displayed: 5 h 15 min 24 s
